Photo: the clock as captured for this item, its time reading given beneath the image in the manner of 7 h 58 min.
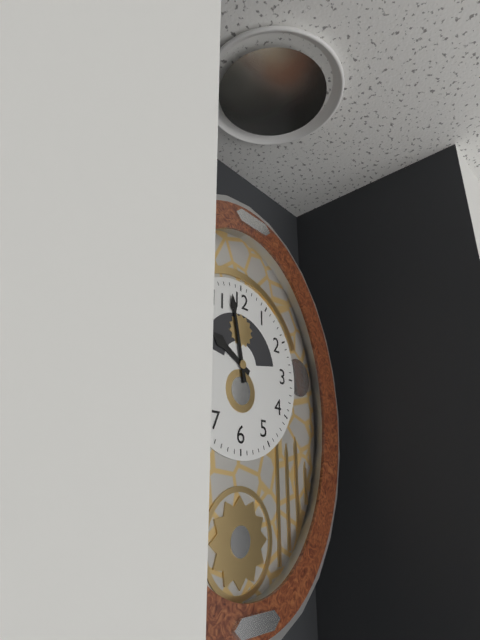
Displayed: 9 h 58 min
